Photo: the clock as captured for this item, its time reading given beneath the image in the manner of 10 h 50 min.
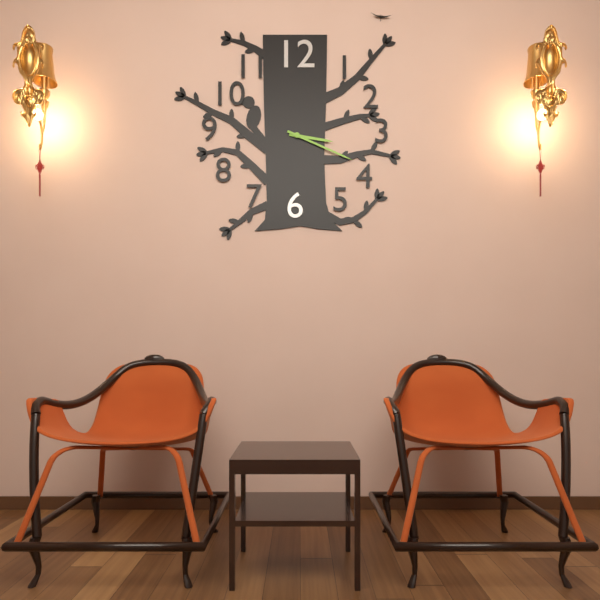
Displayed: 3 h 19 min
